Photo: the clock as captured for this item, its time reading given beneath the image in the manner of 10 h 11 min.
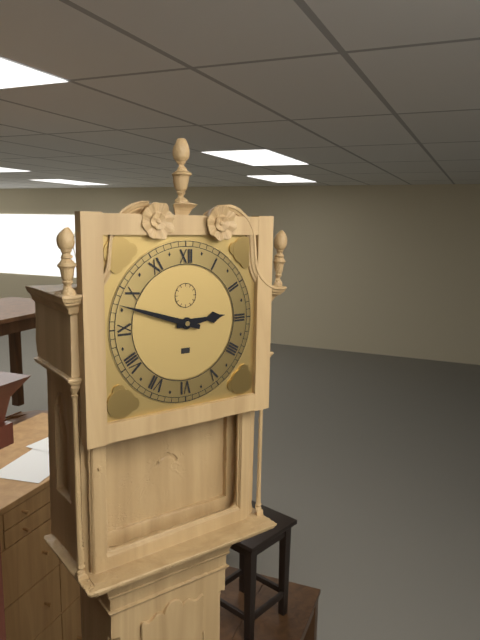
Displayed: 2 h 48 min
